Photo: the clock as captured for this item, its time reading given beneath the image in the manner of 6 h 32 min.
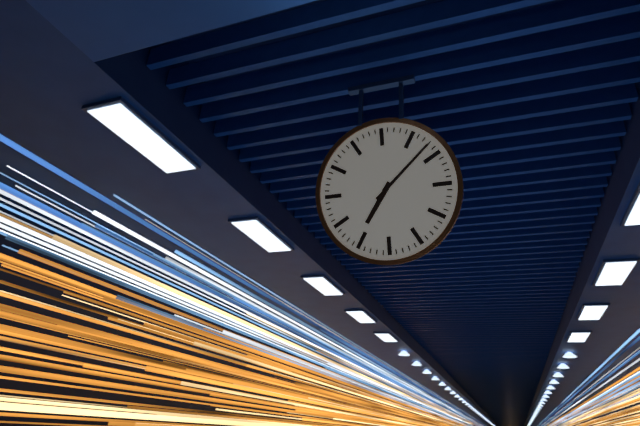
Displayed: 7 h 08 min
